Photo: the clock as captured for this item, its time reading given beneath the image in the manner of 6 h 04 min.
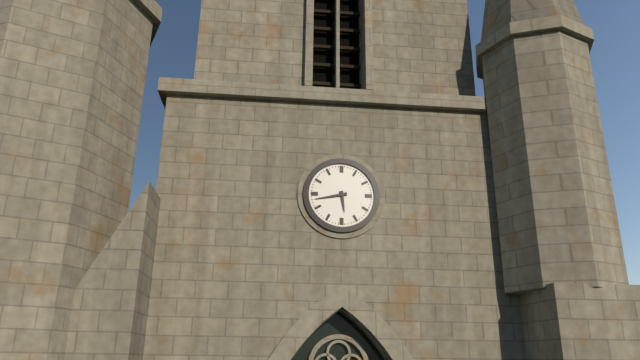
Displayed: 5 h 43 min
